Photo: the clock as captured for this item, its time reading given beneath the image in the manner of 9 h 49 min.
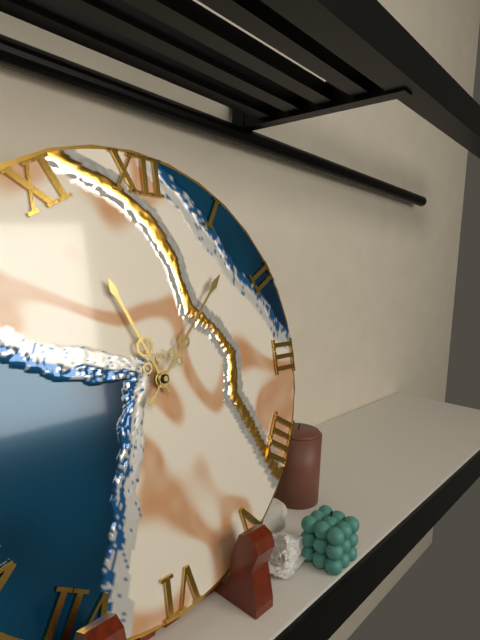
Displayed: 11 h 07 min
